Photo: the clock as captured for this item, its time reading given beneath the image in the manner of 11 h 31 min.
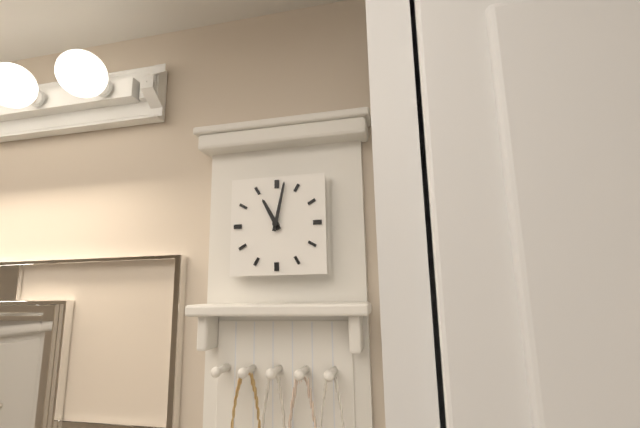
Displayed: 11 h 02 min
